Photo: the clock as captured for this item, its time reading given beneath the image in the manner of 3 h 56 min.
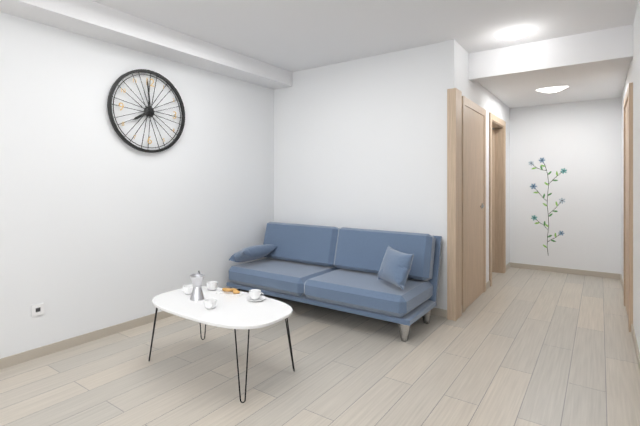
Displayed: 7 h 59 min
